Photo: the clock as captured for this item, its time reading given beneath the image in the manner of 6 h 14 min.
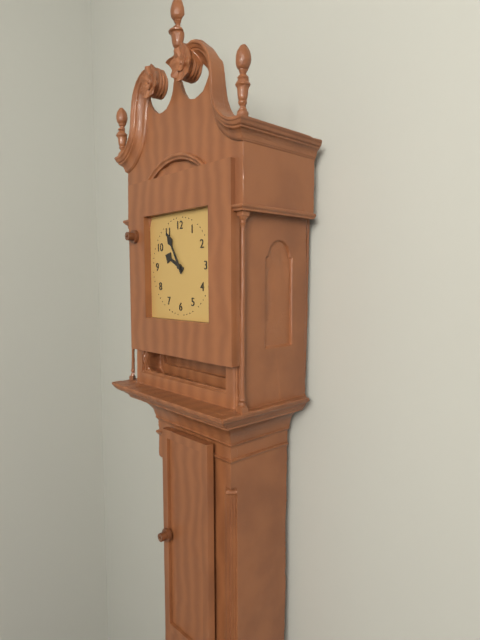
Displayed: 9 h 55 min
